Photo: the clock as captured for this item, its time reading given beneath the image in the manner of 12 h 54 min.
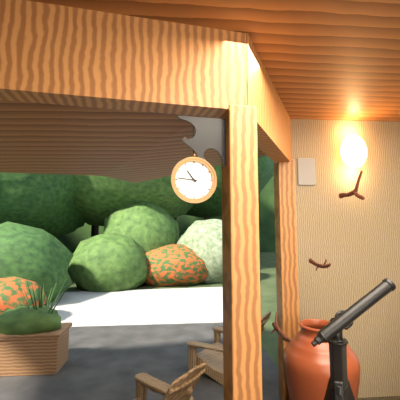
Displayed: 10 h 46 min
